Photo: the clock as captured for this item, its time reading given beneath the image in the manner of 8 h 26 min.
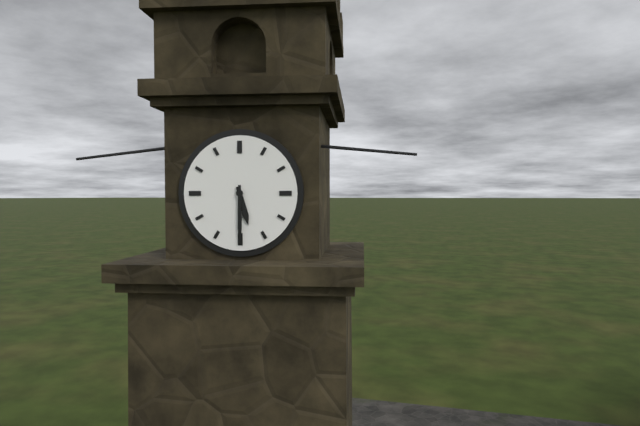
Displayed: 5 h 30 min
